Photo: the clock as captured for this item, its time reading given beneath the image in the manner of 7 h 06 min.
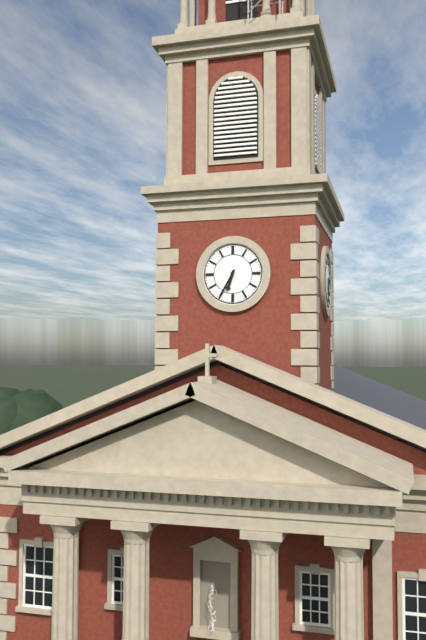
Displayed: 6 h 35 min
